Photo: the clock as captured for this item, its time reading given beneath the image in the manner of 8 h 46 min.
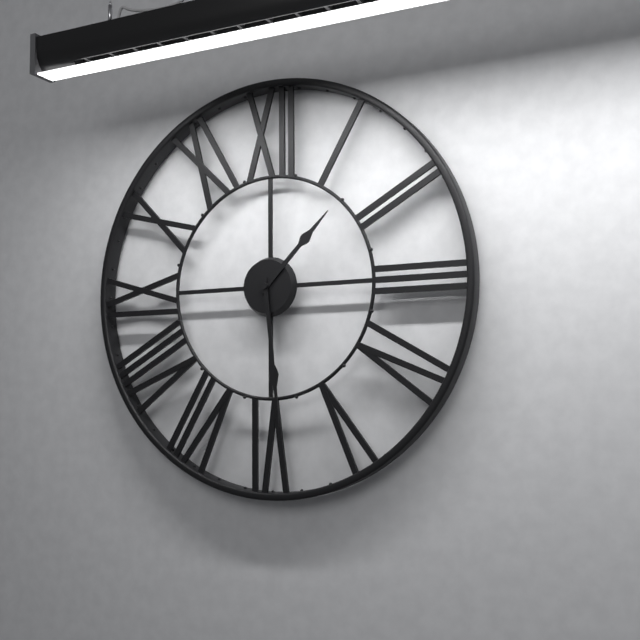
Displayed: 1 h 29 min
